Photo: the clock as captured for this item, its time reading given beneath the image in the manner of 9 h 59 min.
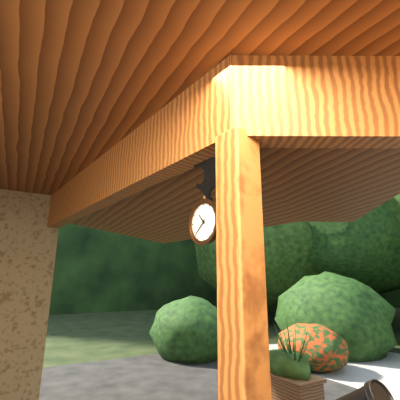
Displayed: 10 h 38 min
